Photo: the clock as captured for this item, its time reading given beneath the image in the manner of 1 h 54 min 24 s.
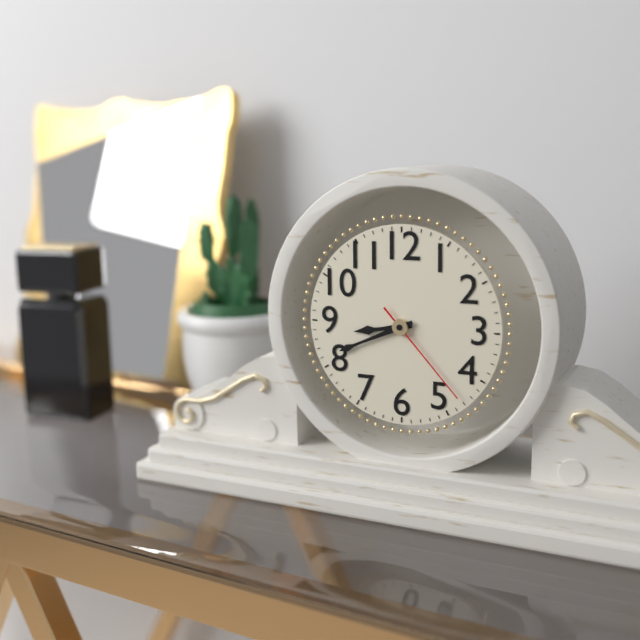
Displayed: 8 h 41 min 23 s
